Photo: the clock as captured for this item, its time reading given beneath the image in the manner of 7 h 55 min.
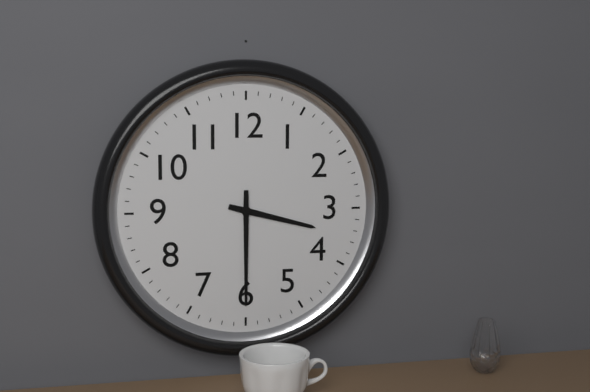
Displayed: 3 h 30 min
